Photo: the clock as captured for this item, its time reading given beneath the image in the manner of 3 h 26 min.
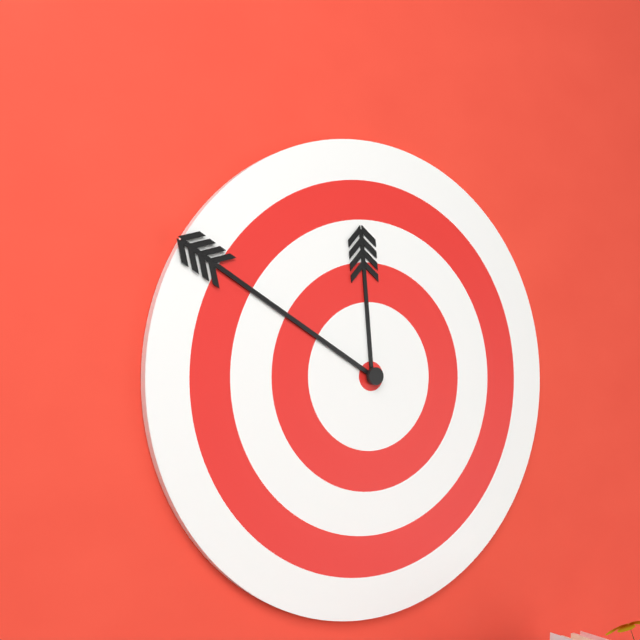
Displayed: 11 h 50 min
